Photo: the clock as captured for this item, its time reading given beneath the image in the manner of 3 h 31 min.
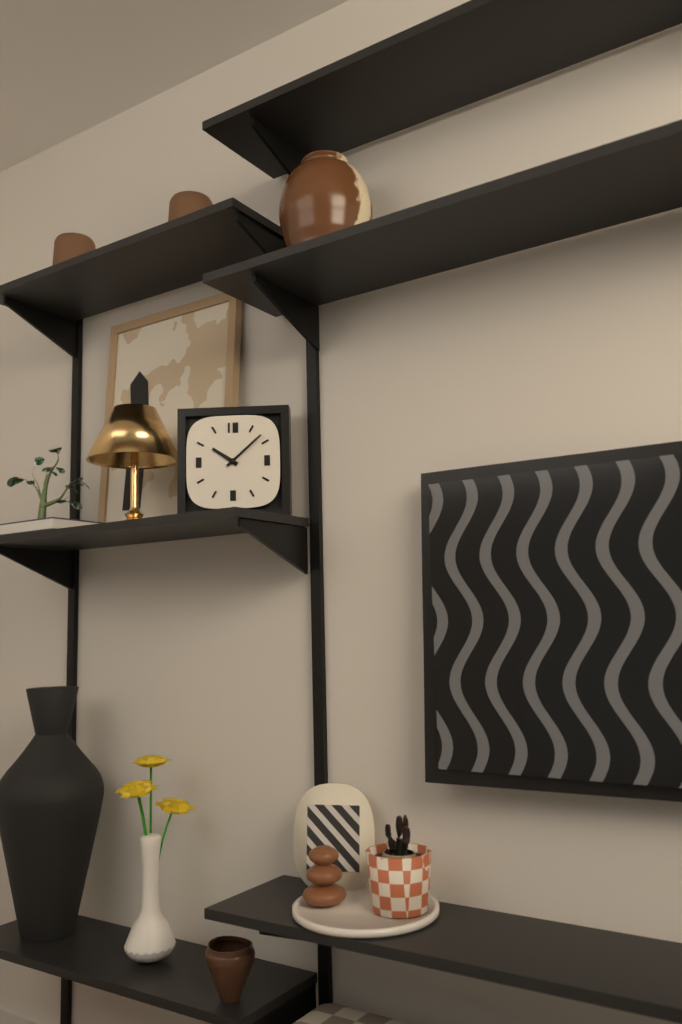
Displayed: 10 h 08 min
